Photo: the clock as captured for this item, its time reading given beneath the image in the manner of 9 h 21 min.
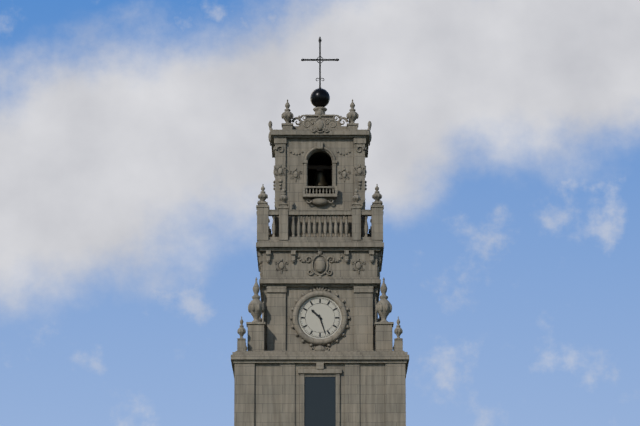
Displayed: 10 h 27 min
